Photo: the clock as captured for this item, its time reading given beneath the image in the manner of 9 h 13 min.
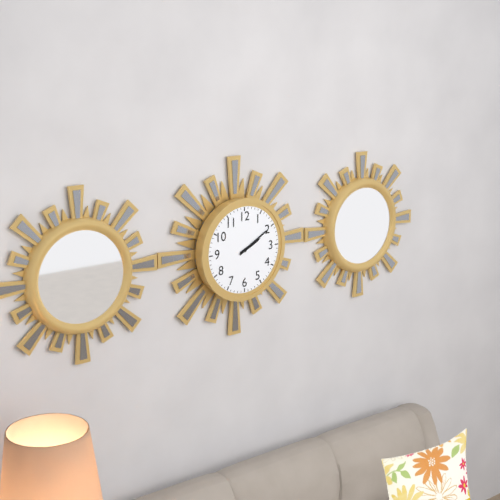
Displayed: 2 h 10 min
